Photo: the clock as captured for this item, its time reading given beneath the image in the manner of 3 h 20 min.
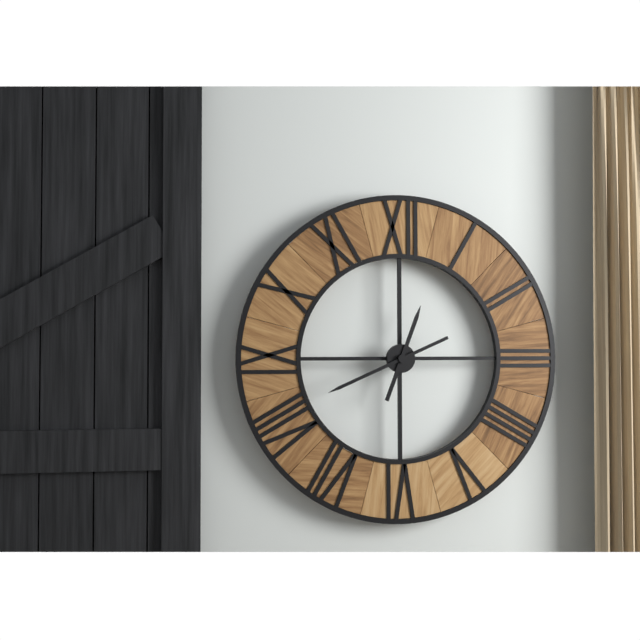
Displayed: 12 h 41 min
